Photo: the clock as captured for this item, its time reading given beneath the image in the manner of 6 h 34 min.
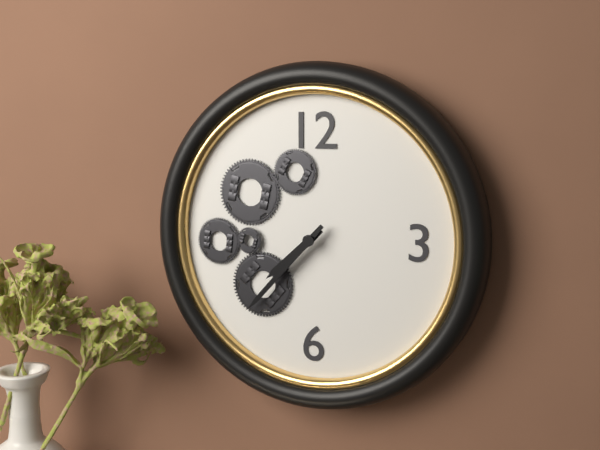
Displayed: 7 h 37 min
